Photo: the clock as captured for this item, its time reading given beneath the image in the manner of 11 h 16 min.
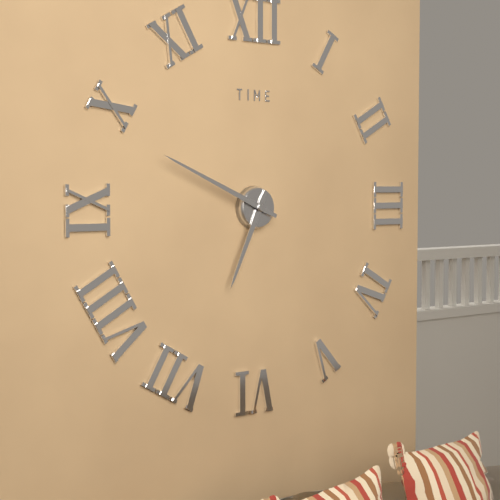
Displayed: 6 h 49 min
